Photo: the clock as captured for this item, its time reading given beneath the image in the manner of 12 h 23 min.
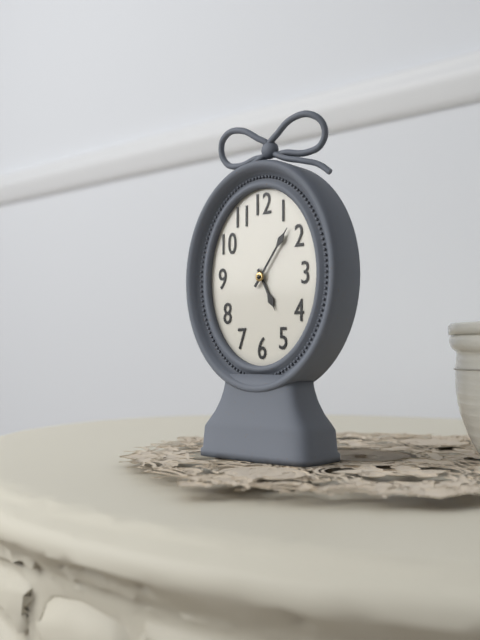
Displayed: 5 h 06 min
